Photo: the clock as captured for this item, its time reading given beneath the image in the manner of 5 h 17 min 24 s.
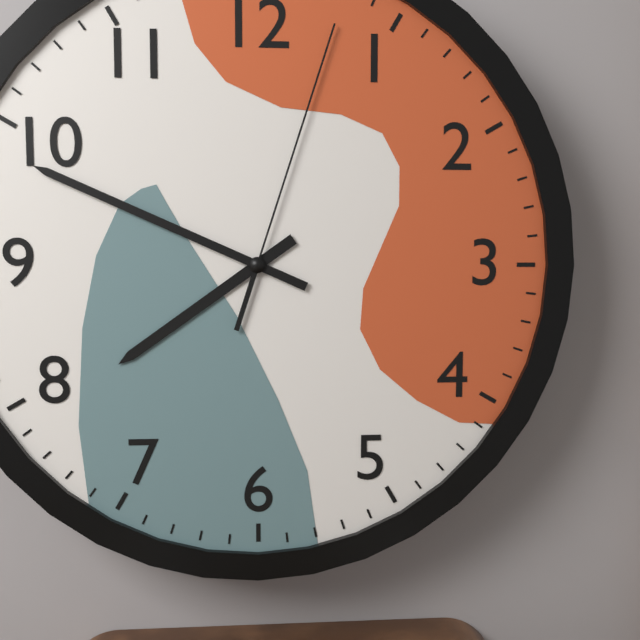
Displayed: 7 h 49 min 03 s
